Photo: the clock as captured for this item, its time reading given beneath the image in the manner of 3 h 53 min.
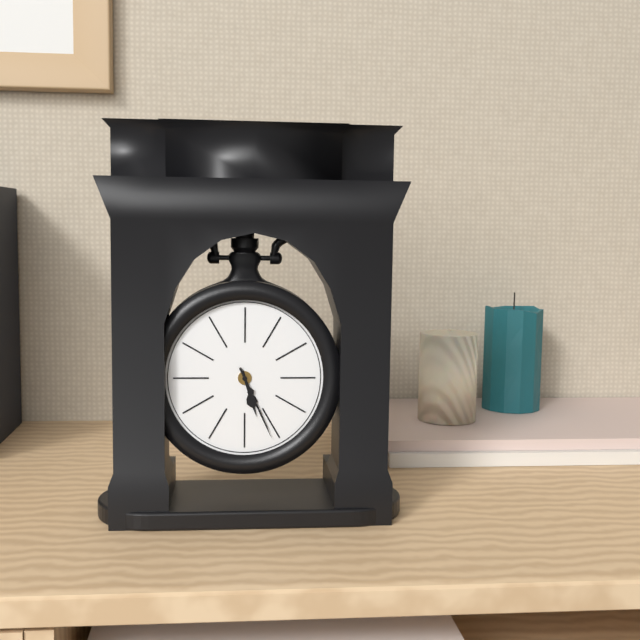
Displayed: 5 h 26 min
